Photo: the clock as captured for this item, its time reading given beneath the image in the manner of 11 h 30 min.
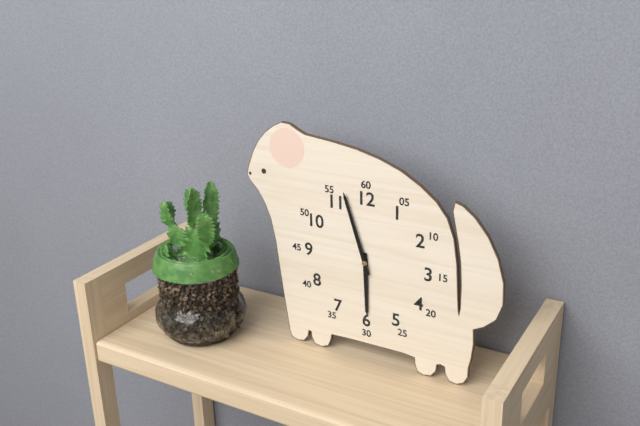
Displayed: 5 h 57 min
